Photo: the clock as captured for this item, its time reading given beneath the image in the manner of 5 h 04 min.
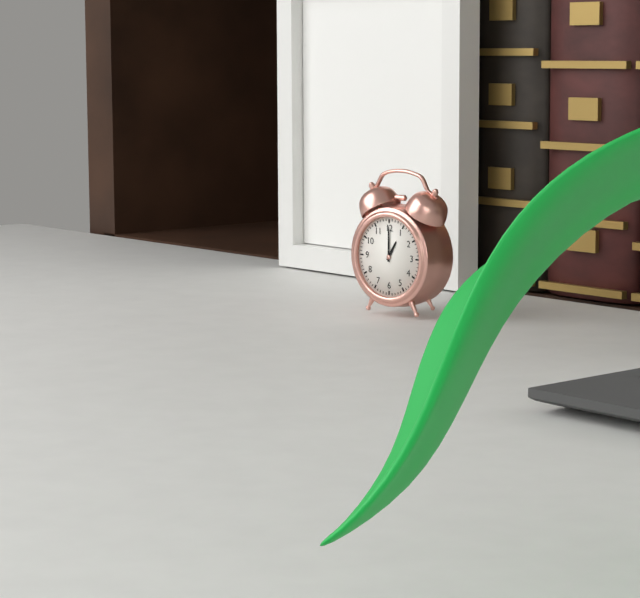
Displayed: 1 h 00 min
